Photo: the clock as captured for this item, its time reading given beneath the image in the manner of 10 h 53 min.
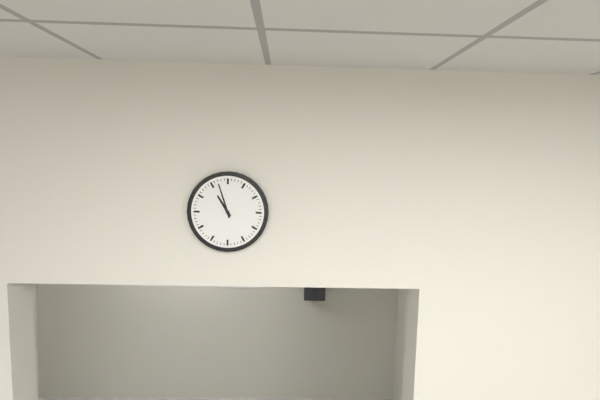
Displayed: 10 h 57 min
